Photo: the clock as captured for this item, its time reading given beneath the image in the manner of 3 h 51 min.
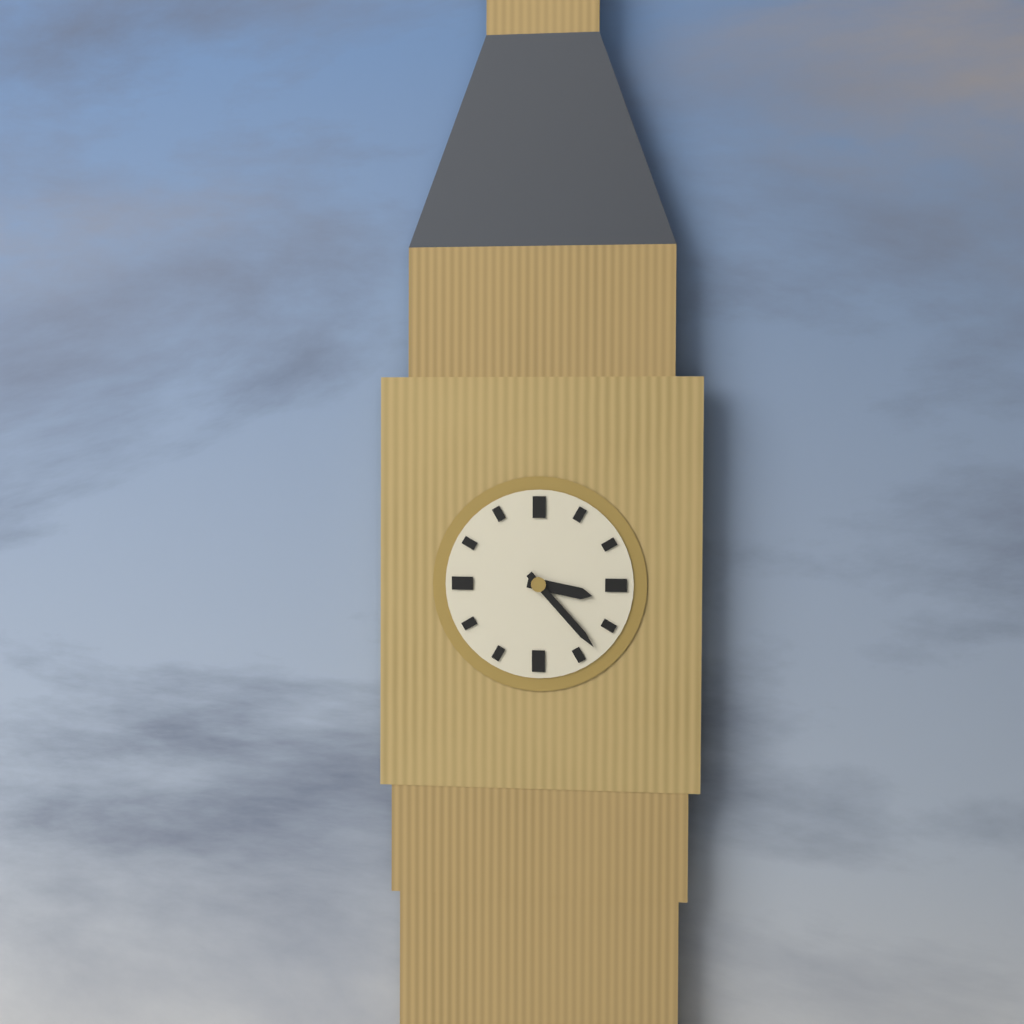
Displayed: 3 h 23 min
